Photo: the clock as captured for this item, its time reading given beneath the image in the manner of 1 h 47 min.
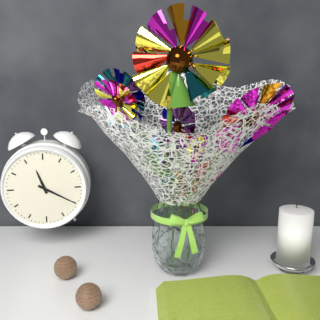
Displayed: 11 h 20 min
